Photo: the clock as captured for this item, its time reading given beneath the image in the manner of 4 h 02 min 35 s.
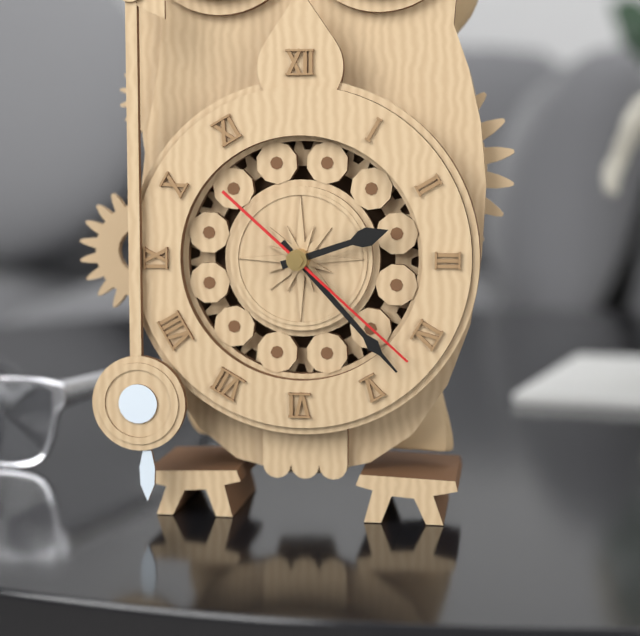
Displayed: 2 h 23 min 22 s
